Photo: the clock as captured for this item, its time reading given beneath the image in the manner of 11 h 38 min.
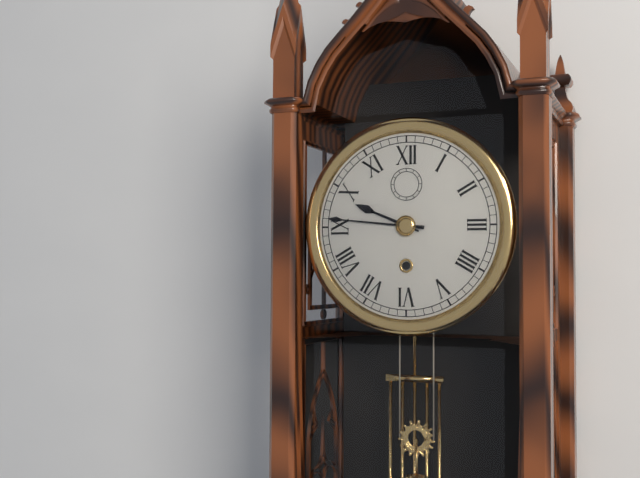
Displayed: 9 h 46 min
